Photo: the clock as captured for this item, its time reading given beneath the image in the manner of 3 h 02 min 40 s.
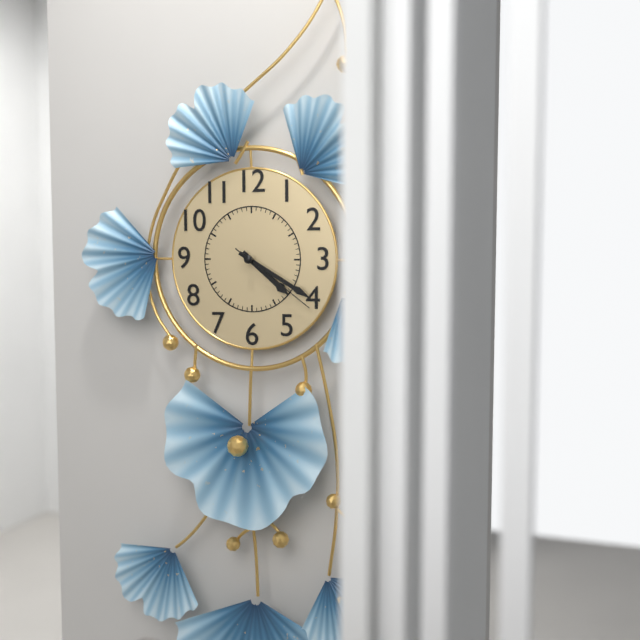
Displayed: 4 h 20 min 21 s
